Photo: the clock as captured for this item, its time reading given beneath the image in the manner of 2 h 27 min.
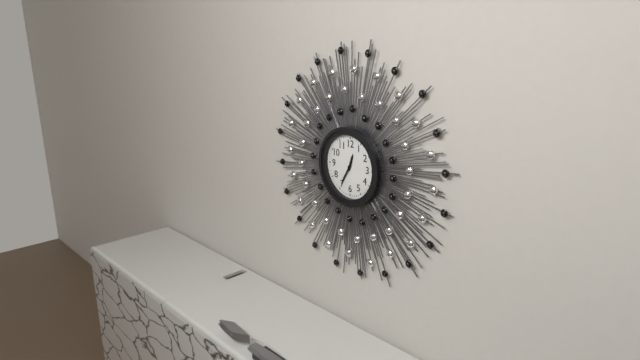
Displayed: 12 h 35 min
